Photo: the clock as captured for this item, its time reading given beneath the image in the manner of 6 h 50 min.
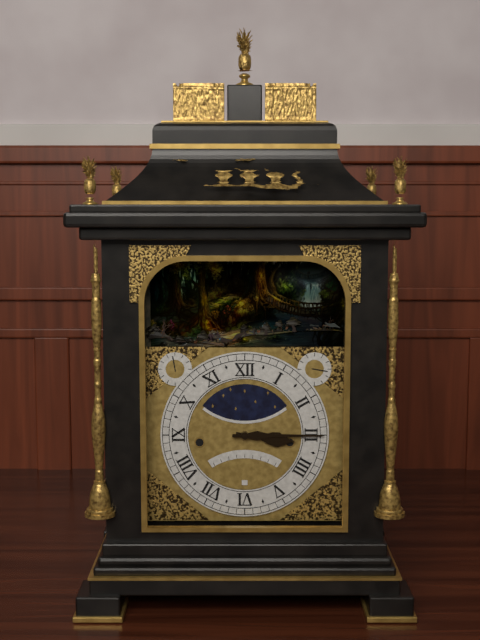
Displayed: 3 h 15 min
